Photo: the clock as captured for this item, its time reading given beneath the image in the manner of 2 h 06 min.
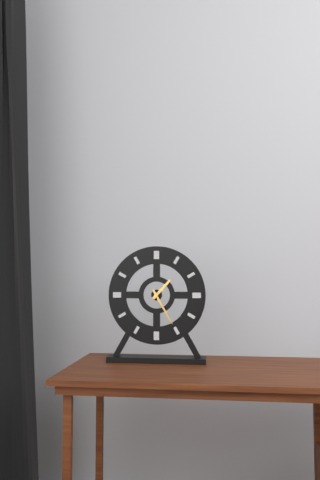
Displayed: 1 h 25 min
